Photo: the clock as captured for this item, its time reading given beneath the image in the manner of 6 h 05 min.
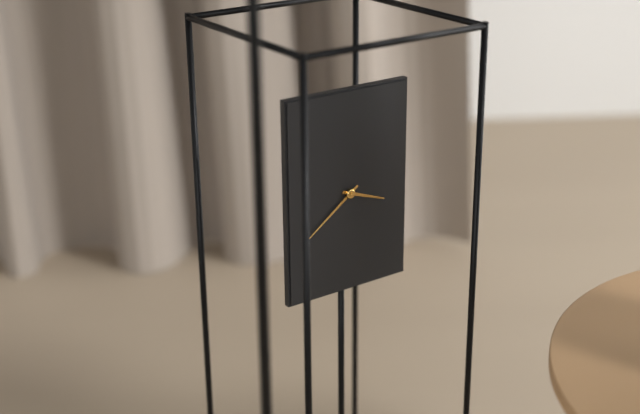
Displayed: 3 h 39 min
